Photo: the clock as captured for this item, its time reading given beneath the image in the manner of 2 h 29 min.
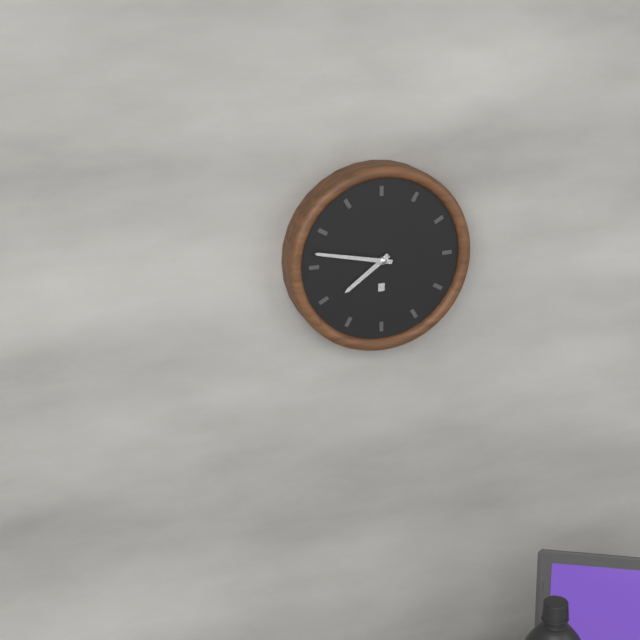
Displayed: 7 h 47 min
